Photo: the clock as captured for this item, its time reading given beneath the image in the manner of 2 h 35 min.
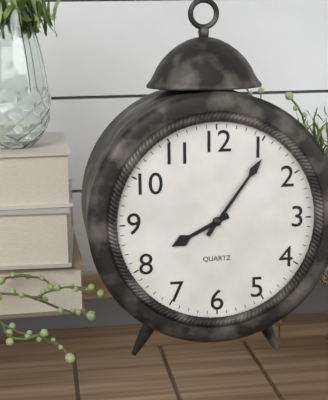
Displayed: 8 h 06 min
